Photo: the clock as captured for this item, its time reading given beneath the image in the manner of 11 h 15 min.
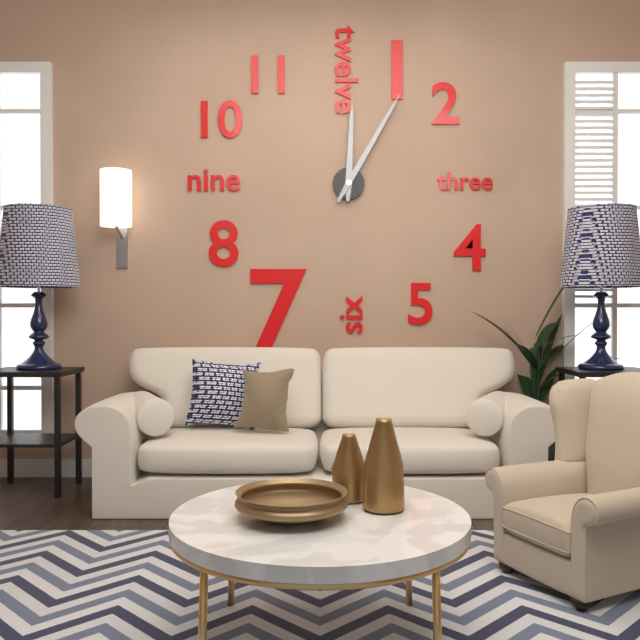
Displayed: 12 h 05 min
